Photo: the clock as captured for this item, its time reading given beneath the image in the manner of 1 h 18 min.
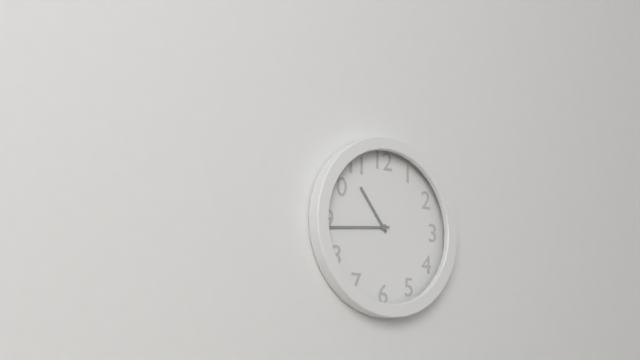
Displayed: 10 h 44 min
